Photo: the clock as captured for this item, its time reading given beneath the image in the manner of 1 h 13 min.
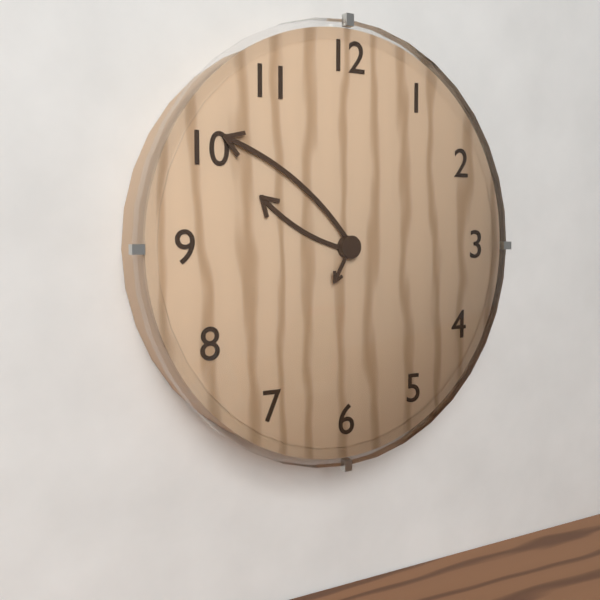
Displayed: 9 h 51 min
